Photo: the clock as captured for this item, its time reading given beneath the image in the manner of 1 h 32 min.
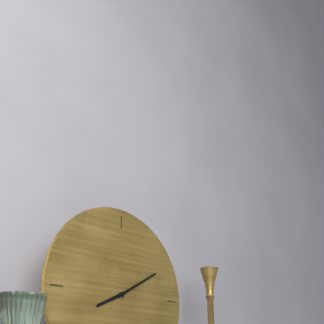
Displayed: 8 h 10 min
